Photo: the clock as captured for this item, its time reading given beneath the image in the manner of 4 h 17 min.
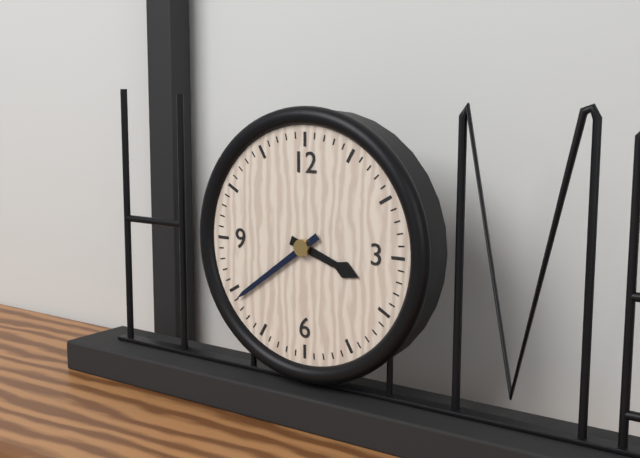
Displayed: 3 h 39 min
